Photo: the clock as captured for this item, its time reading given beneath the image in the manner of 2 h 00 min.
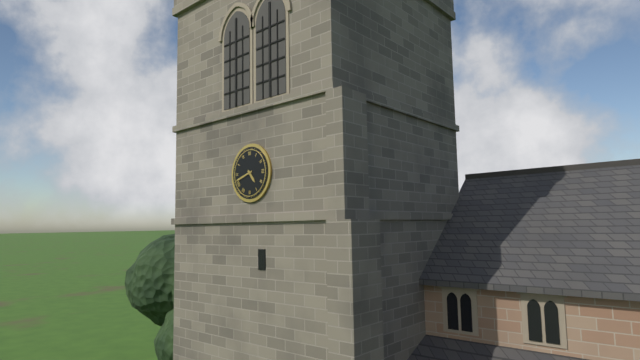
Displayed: 4 h 42 min
